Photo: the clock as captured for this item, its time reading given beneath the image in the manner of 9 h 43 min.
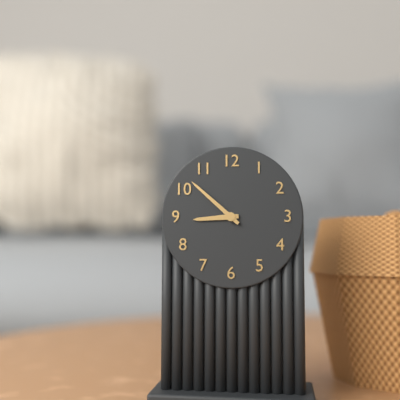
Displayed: 8 h 52 min
